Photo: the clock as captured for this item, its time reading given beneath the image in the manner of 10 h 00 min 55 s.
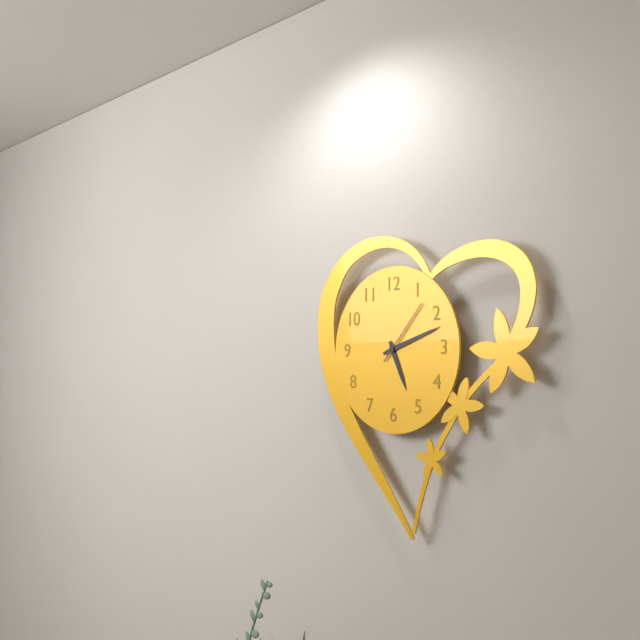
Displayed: 5 h 12 min 07 s
